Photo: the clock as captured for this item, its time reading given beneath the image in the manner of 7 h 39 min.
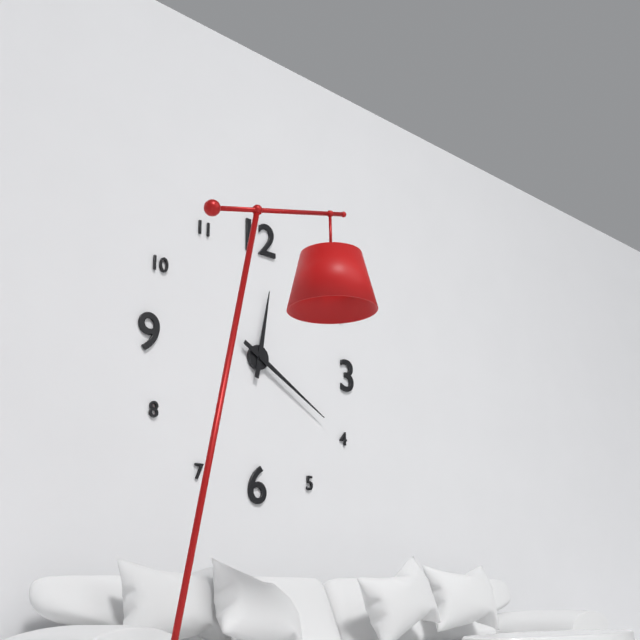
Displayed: 12 h 20 min
